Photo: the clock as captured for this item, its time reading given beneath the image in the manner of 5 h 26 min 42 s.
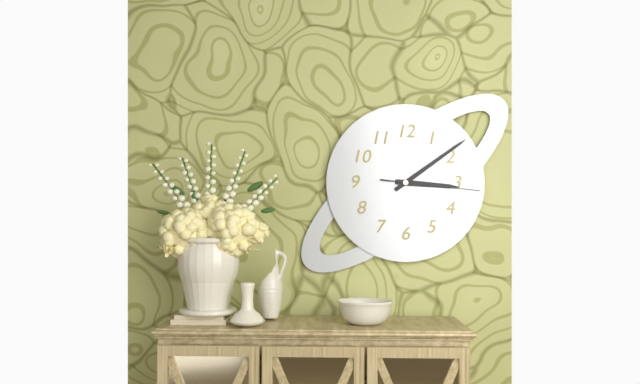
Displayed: 3 h 09 min 16 s
